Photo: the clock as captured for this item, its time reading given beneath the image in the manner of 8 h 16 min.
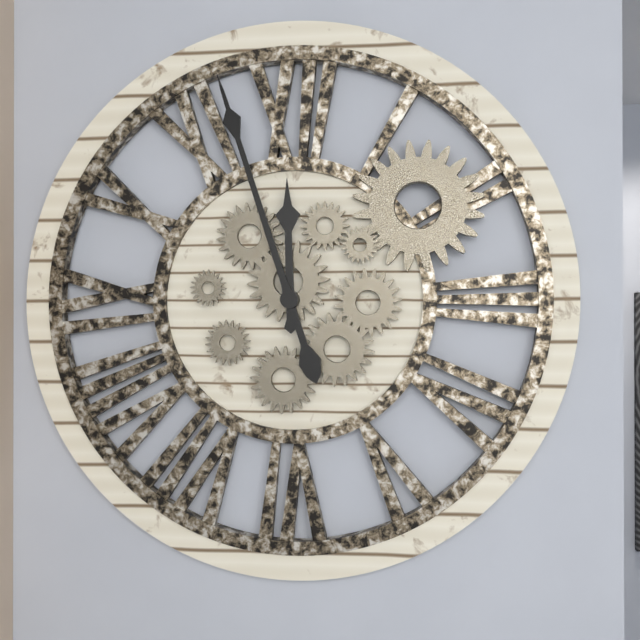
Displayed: 11 h 57 min
